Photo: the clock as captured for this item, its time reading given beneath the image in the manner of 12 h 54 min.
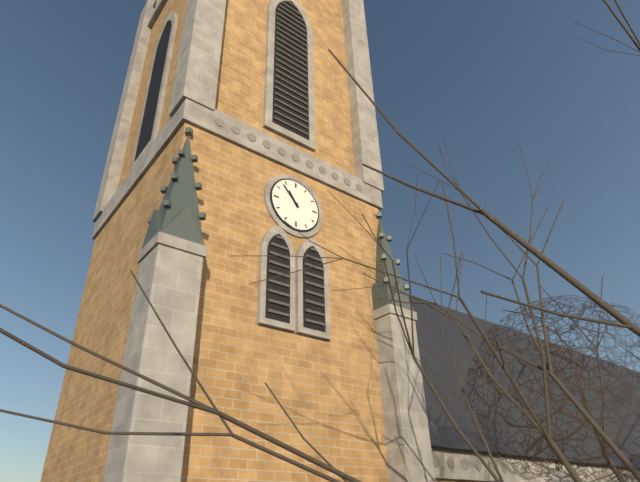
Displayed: 10 h 53 min
